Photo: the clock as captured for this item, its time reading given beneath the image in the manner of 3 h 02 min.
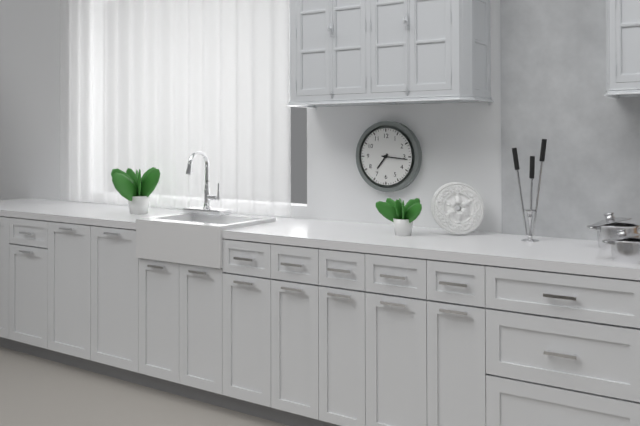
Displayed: 7 h 16 min
